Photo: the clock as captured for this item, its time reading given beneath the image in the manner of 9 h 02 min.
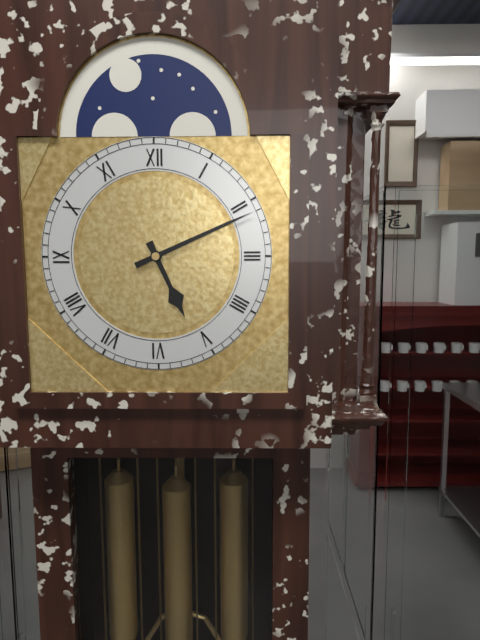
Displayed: 5 h 11 min
